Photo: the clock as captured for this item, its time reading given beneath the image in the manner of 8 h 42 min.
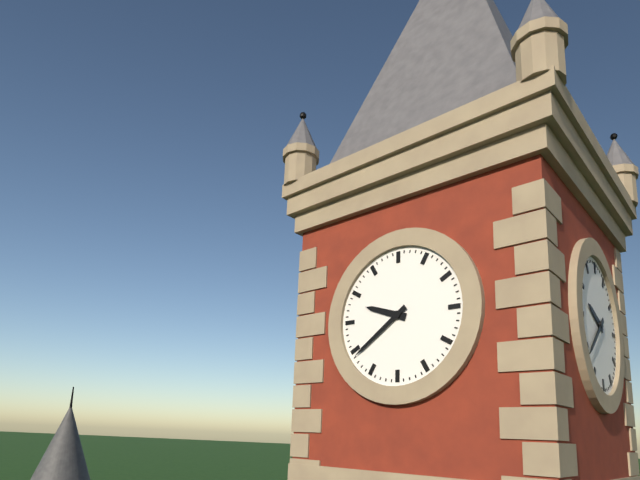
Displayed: 9 h 39 min
